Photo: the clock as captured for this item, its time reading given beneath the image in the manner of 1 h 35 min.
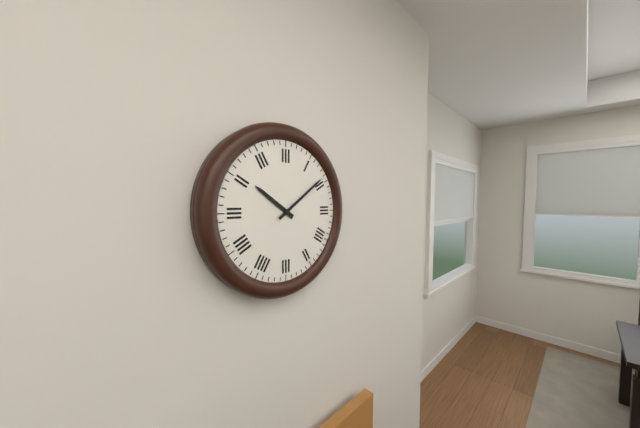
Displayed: 10 h 09 min
